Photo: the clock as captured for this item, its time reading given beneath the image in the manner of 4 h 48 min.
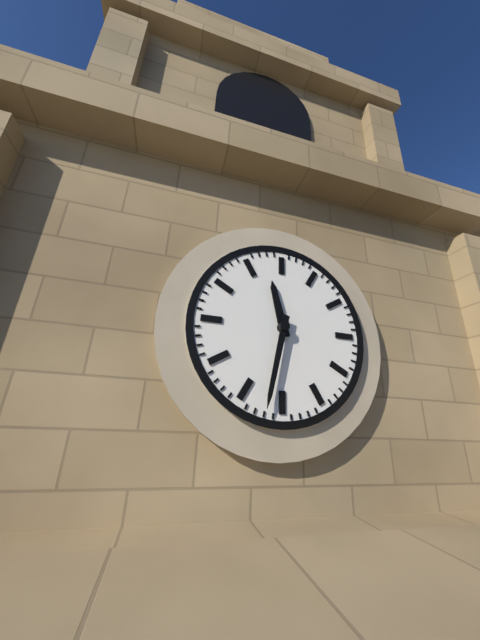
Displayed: 11 h 32 min
